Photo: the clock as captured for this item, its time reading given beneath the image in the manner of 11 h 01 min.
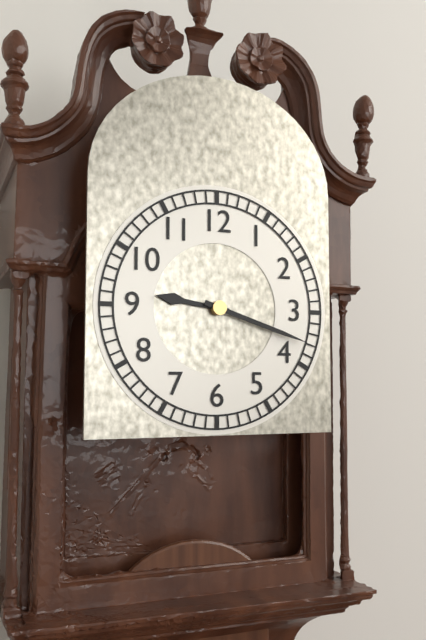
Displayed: 9 h 18 min
